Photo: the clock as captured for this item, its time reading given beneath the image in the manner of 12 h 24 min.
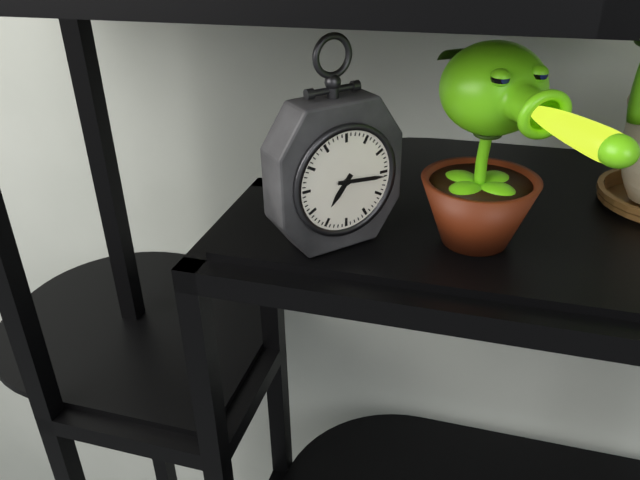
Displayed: 7 h 16 min
